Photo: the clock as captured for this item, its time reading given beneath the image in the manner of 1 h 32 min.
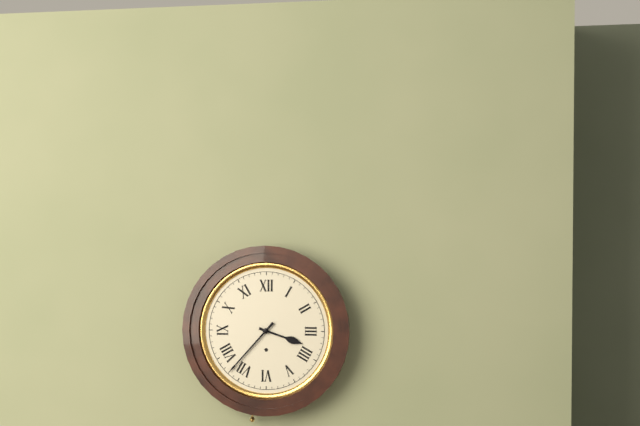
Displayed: 3 h 37 min
